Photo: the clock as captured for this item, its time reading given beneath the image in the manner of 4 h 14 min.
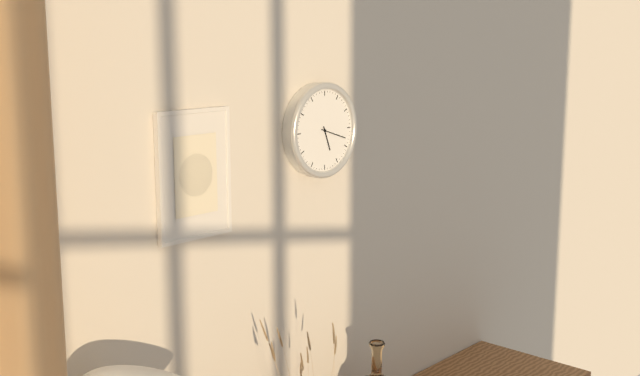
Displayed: 5 h 18 min
